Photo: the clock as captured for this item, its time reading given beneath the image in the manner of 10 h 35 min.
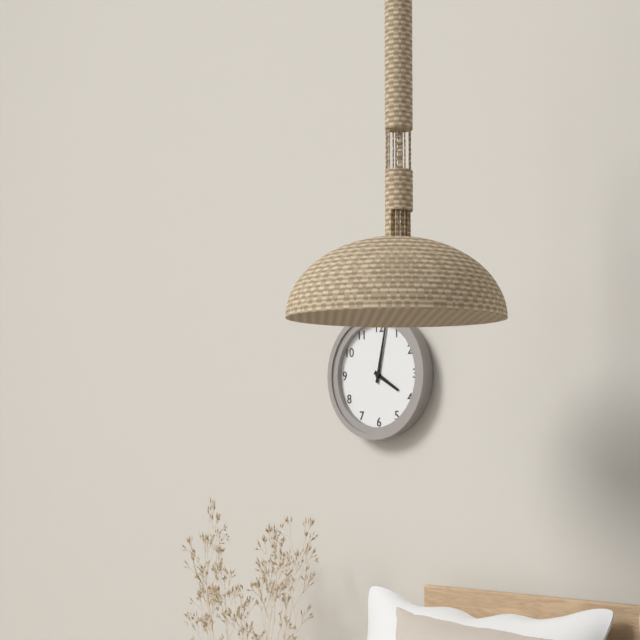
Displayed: 4 h 02 min
